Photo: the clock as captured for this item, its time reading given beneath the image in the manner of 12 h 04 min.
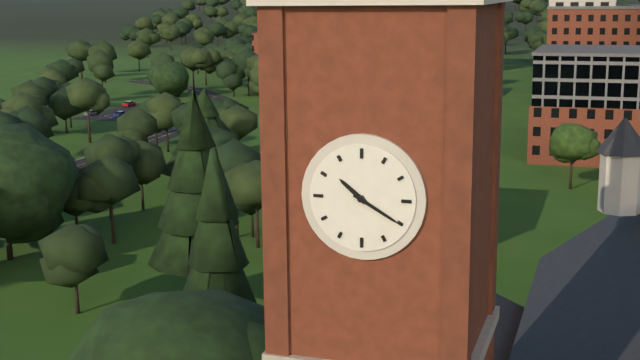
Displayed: 10 h 20 min
